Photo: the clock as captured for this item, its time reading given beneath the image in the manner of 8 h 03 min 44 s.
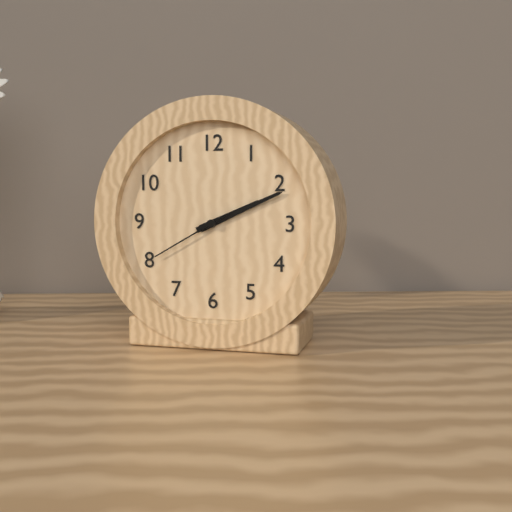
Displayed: 2 h 11 min 40 s
